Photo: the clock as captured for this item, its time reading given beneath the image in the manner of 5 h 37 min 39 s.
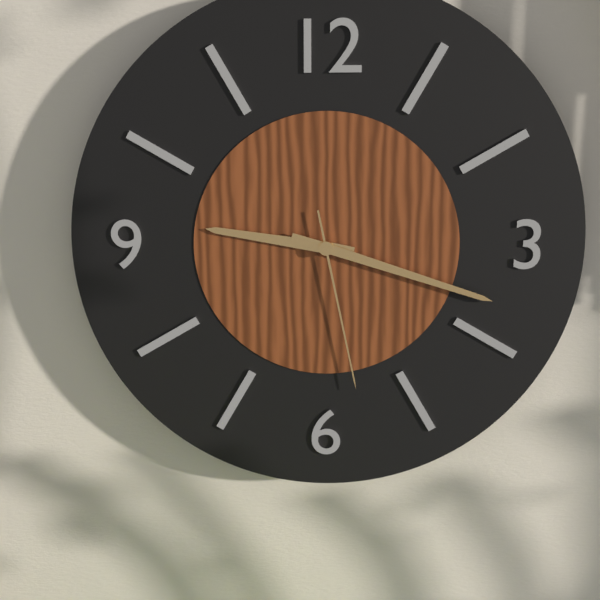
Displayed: 9 h 18 min 28 s
